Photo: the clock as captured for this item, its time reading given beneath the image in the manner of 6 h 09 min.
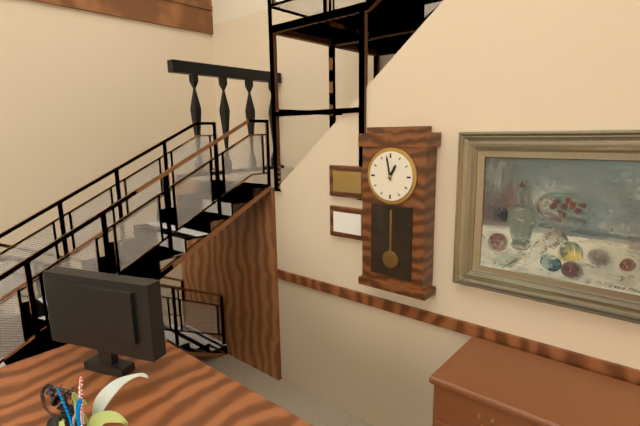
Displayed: 12 h 58 min
